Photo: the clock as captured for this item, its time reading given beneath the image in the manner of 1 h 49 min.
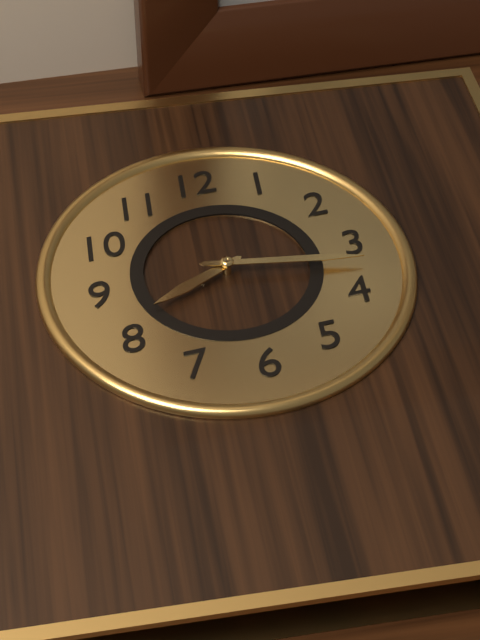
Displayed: 8 h 17 min
